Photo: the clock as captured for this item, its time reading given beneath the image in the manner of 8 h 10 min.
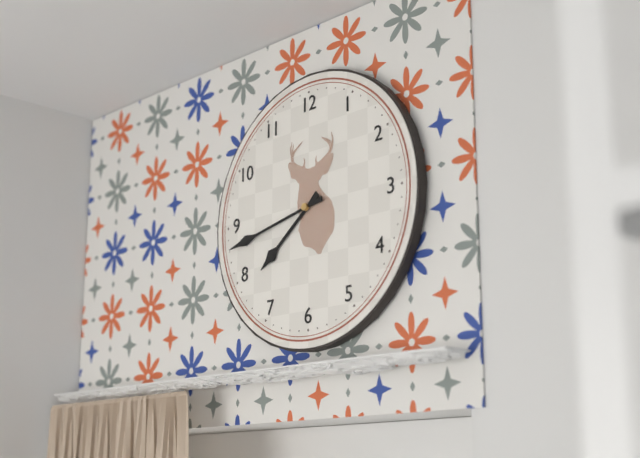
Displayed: 7 h 43 min
